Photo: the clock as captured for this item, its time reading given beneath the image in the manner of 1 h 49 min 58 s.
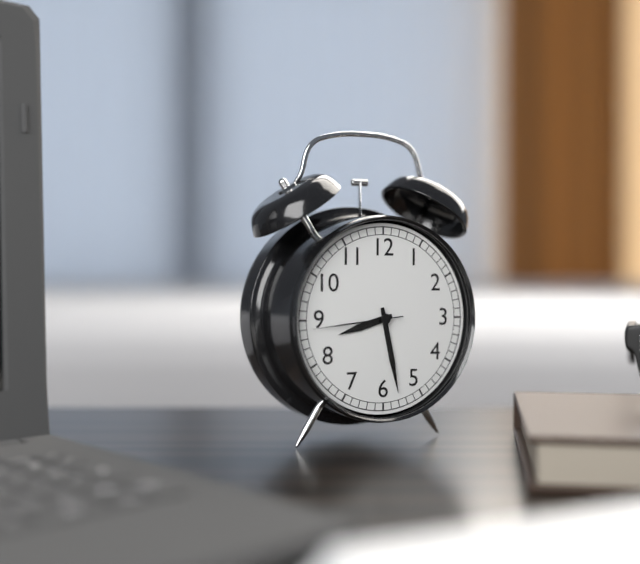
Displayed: 8 h 28 min 44 s
